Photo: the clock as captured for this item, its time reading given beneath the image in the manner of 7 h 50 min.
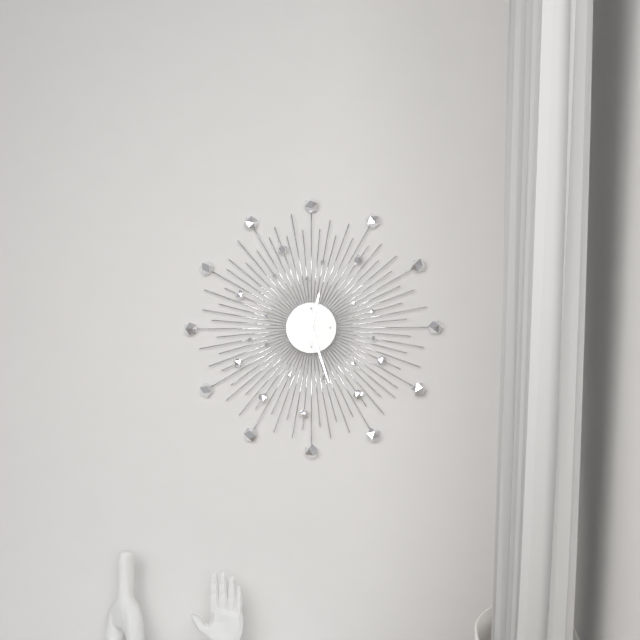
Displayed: 12 h 27 min
